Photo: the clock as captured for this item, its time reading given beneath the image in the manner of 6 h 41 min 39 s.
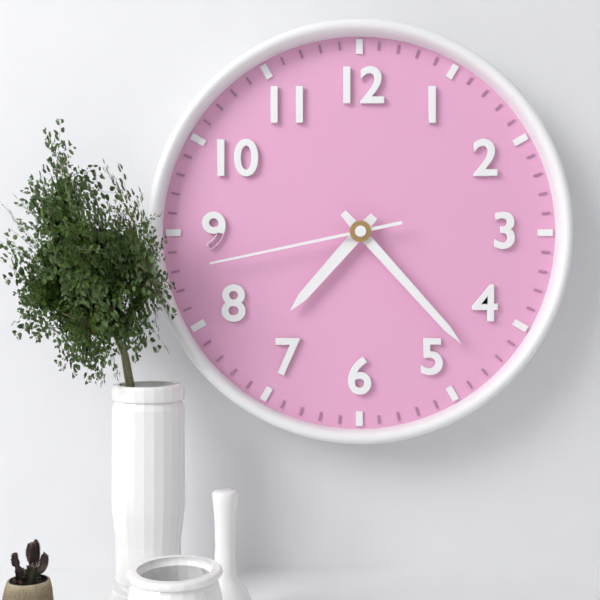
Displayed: 7 h 23 min 43 s
